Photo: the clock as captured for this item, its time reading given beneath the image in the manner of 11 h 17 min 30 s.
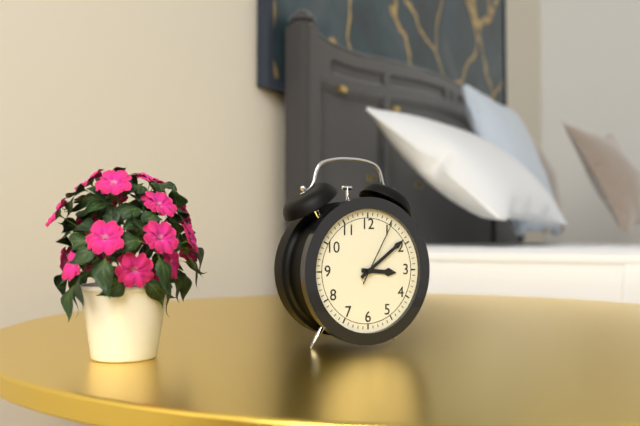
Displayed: 3 h 09 min 05 s
